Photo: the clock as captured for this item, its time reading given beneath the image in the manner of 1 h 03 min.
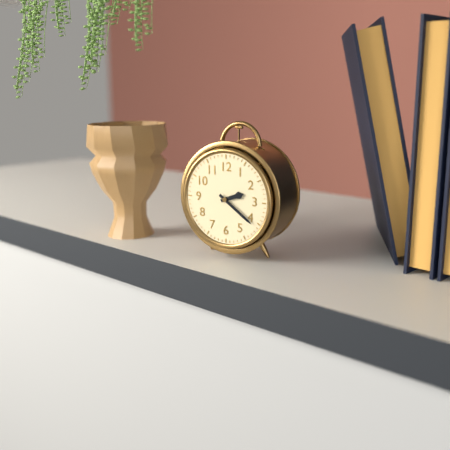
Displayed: 2 h 21 min
